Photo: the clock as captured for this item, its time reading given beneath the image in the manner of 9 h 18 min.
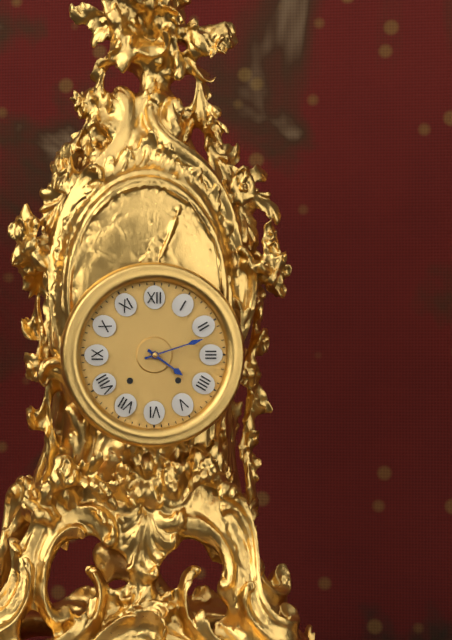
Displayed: 4 h 12 min
